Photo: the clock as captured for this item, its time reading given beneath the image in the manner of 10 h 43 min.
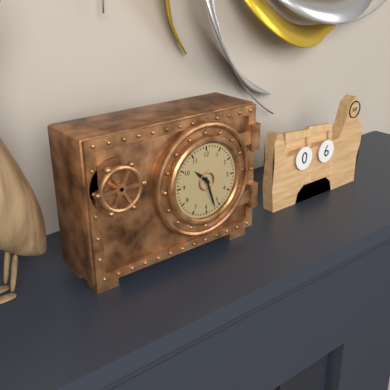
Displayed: 10 h 27 min
